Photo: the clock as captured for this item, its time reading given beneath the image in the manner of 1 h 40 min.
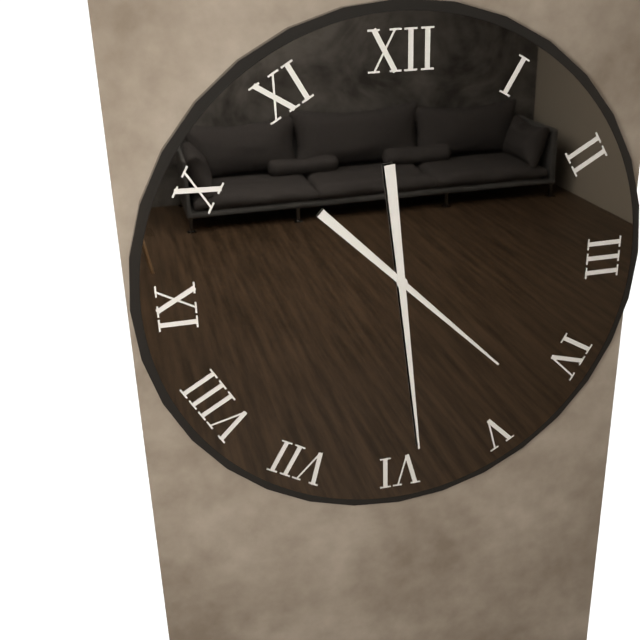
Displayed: 4 h 29 min
